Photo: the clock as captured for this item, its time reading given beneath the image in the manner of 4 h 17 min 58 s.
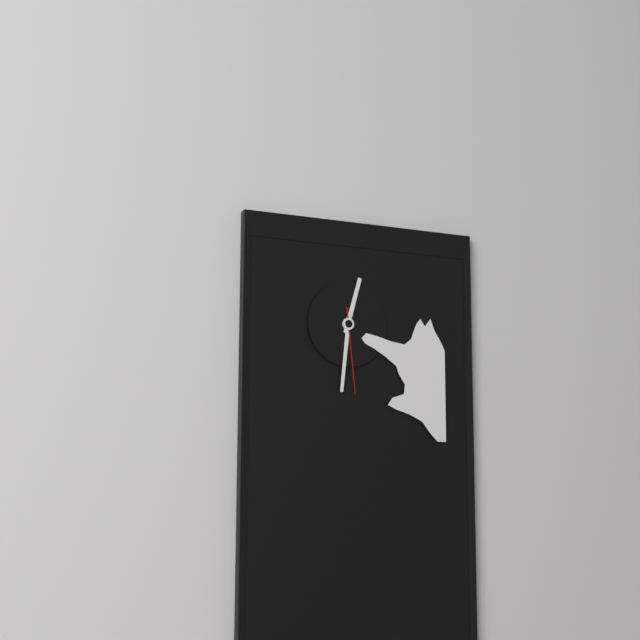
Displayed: 12 h 31 min 29 s
